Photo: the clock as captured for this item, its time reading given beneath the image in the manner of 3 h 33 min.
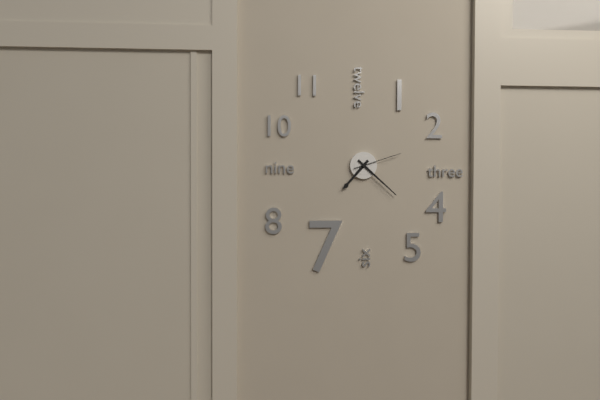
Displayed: 7 h 22 min
